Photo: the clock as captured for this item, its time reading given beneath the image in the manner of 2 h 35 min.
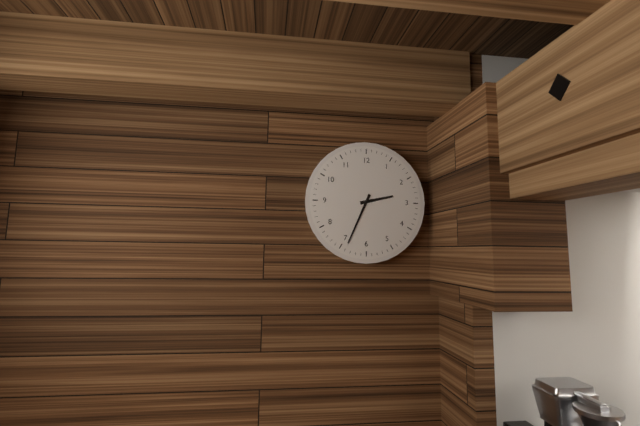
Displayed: 2 h 34 min
